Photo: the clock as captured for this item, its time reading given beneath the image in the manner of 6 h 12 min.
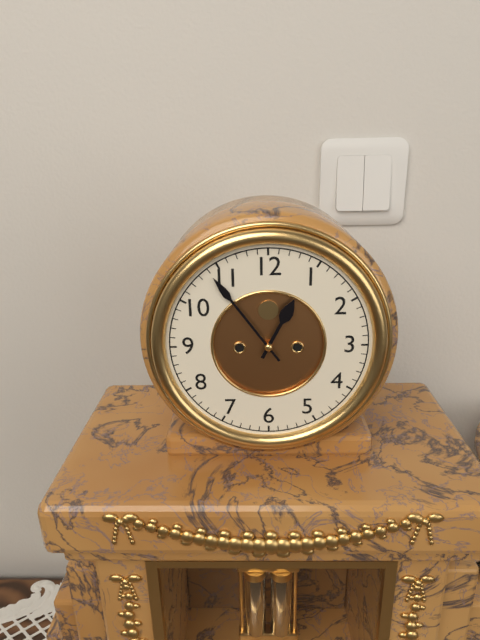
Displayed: 12 h 54 min
